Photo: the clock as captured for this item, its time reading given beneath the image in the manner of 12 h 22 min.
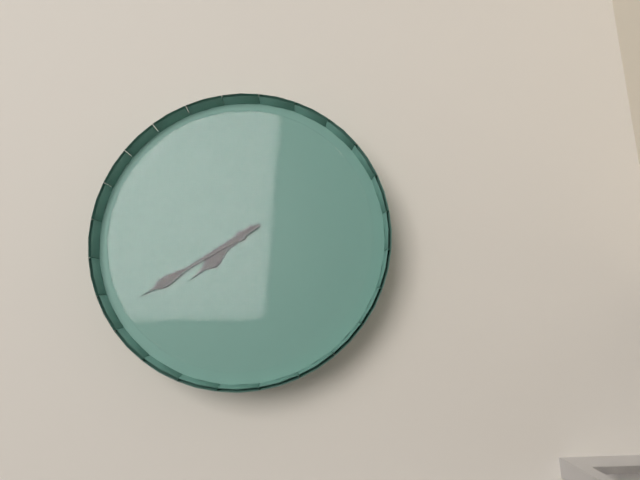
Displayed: 7 h 40 min
